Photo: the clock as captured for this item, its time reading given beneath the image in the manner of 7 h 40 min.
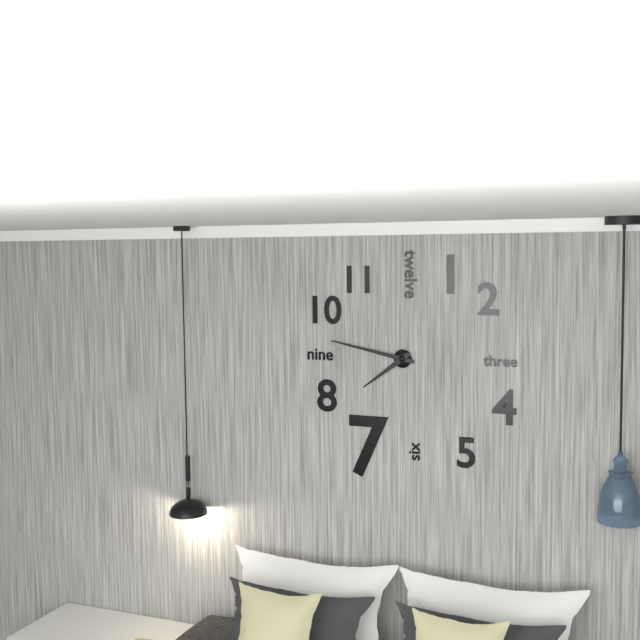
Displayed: 7 h 47 min
